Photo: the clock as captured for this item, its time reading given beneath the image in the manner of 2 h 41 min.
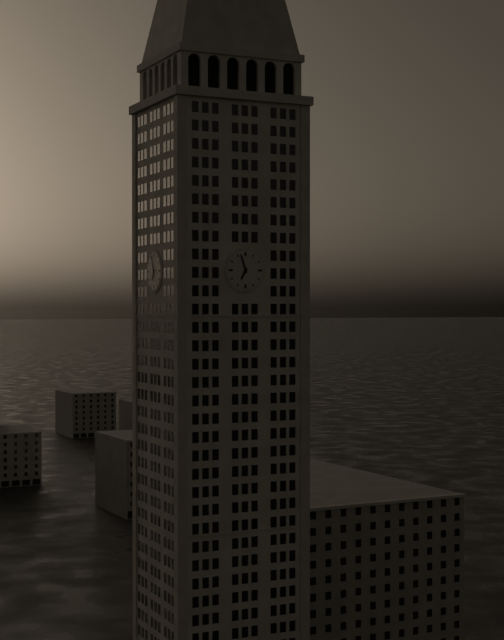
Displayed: 6 h 57 min
